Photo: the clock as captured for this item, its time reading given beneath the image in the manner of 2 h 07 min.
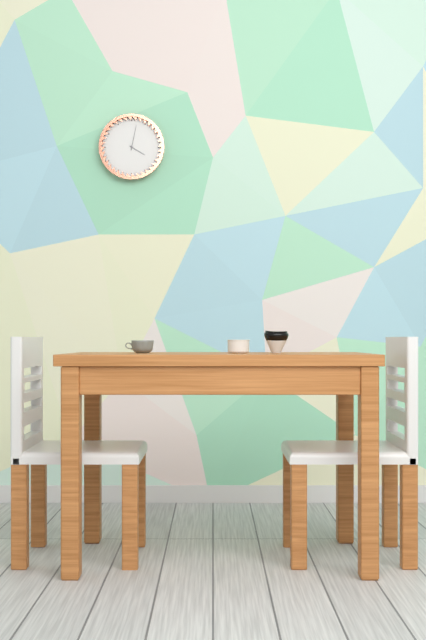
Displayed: 4 h 02 min
